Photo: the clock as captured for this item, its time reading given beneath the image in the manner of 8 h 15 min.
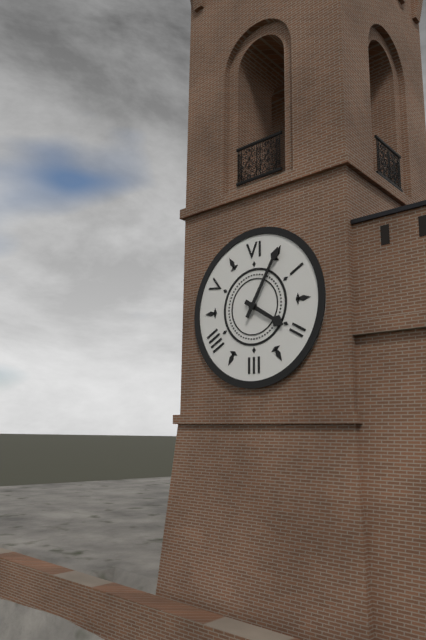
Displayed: 4 h 05 min
